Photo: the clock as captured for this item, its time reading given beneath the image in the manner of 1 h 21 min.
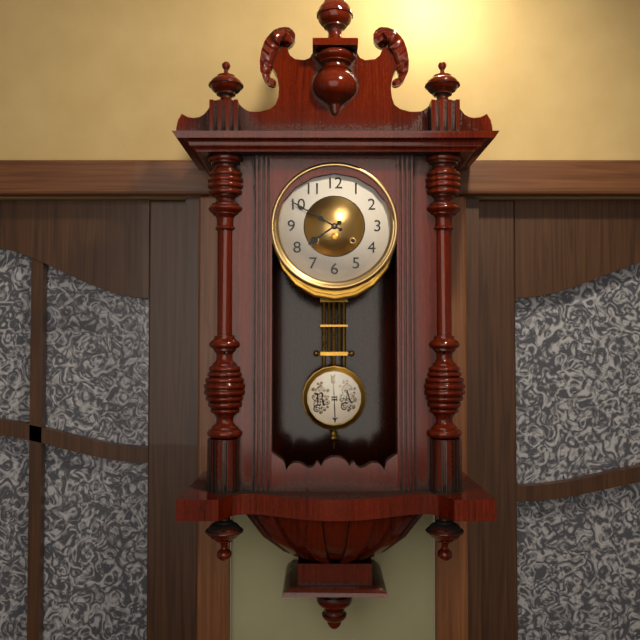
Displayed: 7 h 50 min
